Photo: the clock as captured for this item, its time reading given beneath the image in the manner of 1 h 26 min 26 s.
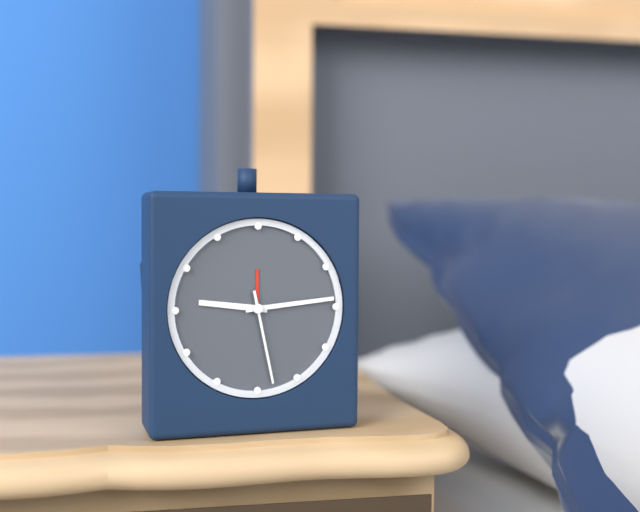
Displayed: 9 h 14 min 28 s
